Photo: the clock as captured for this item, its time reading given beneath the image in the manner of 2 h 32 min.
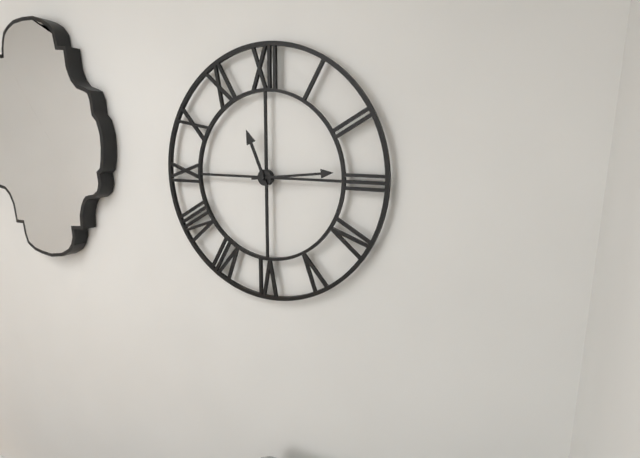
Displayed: 11 h 14 min
